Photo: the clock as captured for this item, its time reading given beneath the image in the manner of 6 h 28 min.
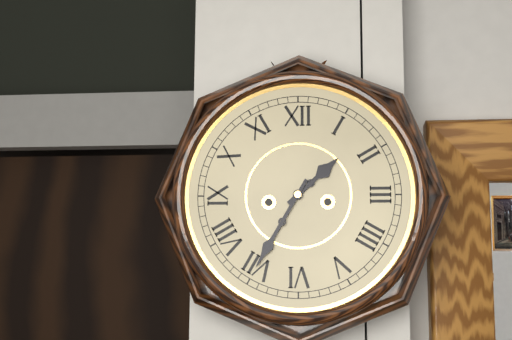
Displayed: 1 h 35 min
